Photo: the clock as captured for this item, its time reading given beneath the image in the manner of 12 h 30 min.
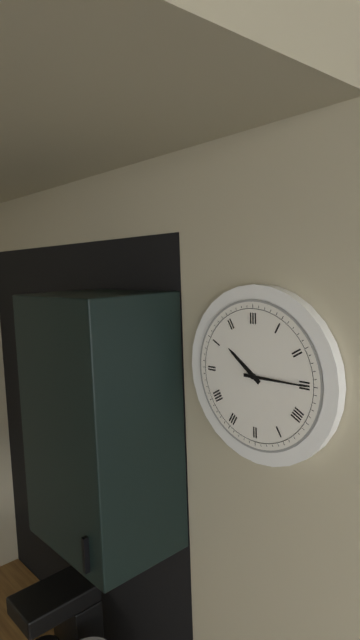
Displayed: 10 h 15 min
